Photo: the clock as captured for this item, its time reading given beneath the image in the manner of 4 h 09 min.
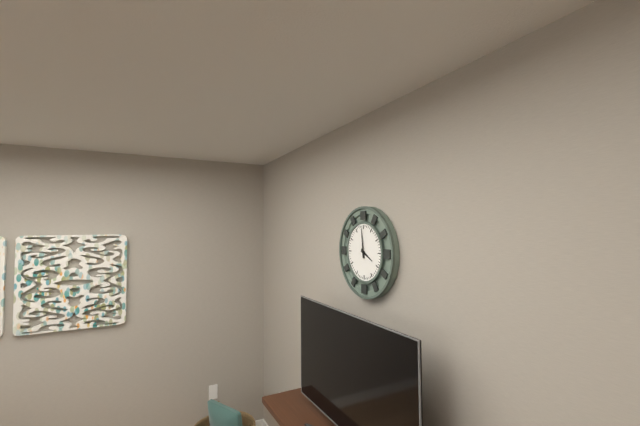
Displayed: 3 h 59 min
